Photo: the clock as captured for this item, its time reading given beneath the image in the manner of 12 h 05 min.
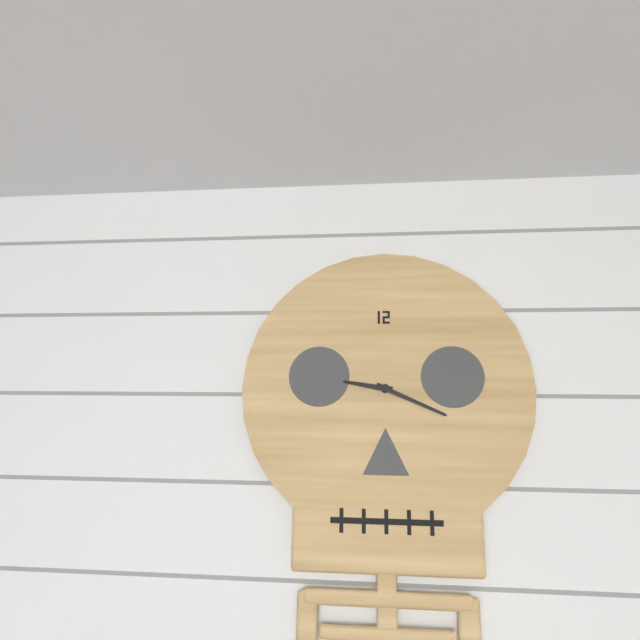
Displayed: 9 h 19 min
